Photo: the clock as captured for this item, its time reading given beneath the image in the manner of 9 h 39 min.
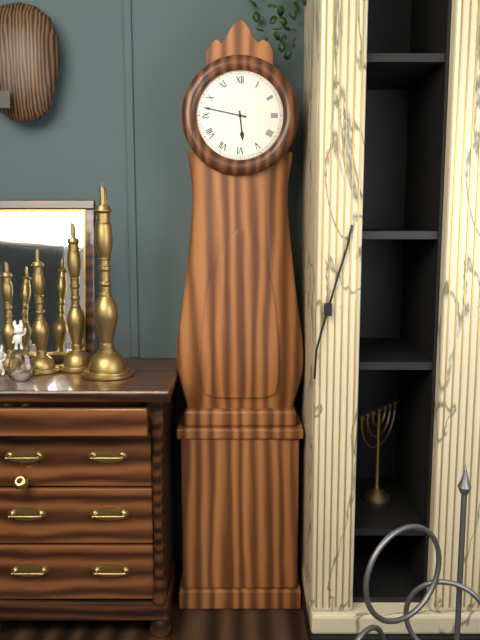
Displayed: 5 h 47 min
